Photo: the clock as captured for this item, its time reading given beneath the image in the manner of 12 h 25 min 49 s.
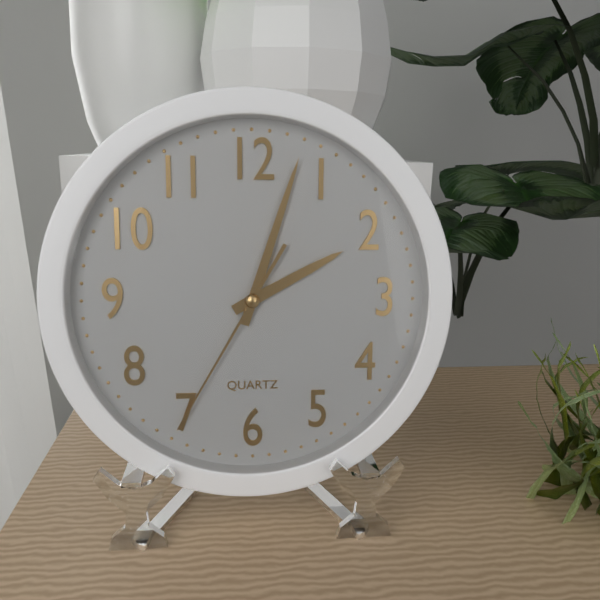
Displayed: 2 h 03 min 35 s
